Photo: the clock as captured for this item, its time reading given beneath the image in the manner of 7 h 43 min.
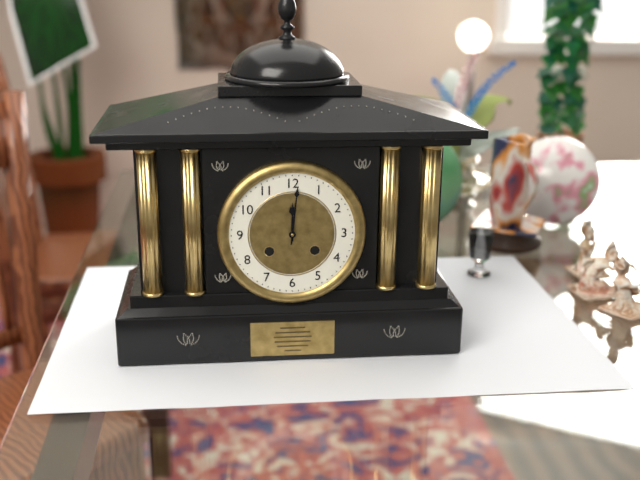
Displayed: 12 h 01 min
